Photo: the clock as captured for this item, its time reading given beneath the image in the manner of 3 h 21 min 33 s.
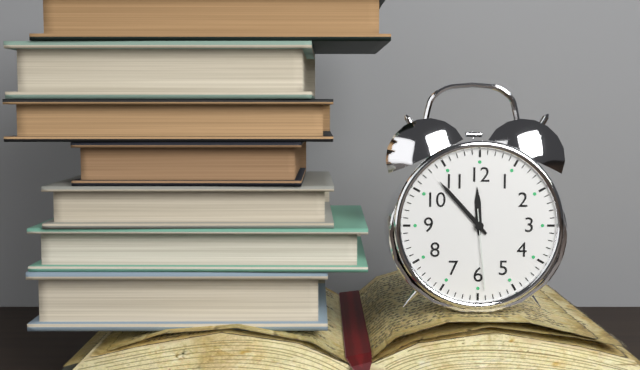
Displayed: 11 h 53 min 29 s
